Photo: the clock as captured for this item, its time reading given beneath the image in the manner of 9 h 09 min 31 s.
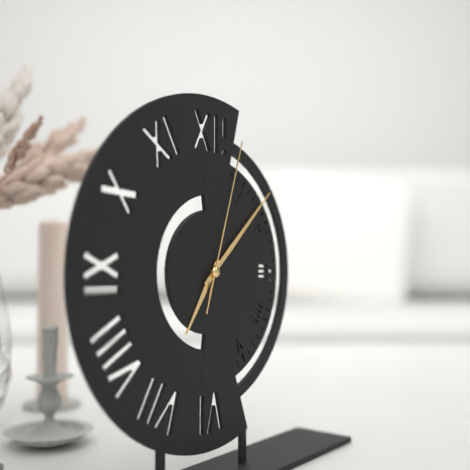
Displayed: 7 h 08 min 03 s
